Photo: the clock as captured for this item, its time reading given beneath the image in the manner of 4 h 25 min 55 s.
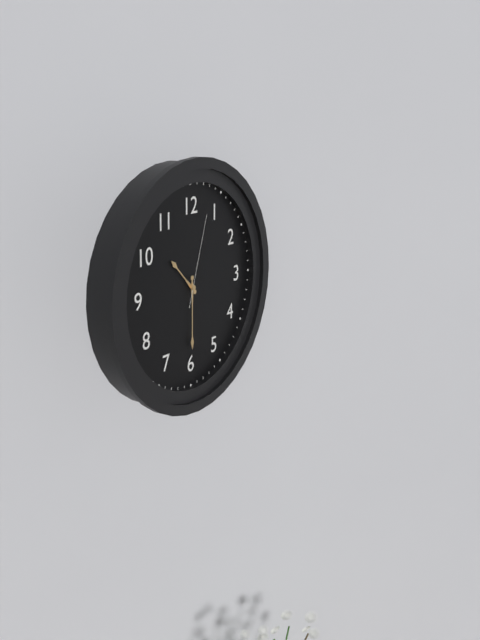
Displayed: 10 h 30 min 03 s
